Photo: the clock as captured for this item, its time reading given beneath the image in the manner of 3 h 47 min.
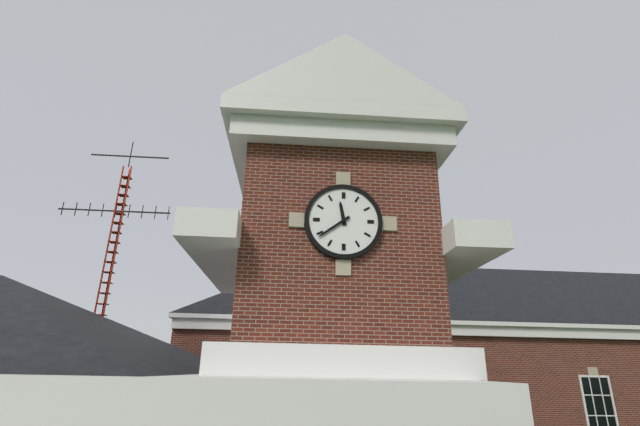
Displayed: 11 h 39 min
